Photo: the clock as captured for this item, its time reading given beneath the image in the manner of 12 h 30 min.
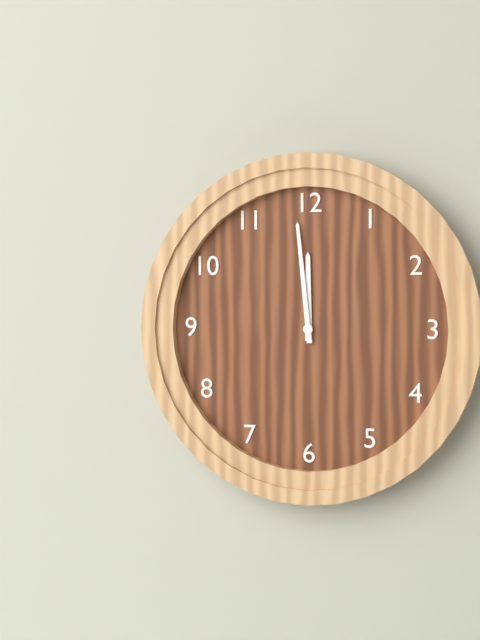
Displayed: 11 h 59 min
